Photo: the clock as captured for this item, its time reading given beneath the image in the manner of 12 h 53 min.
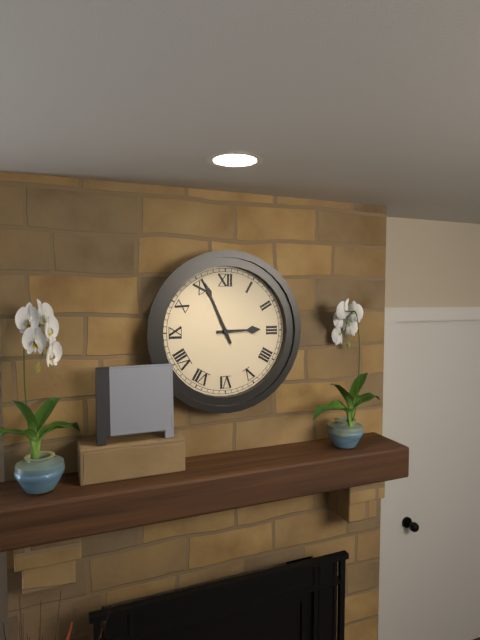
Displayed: 2 h 56 min
